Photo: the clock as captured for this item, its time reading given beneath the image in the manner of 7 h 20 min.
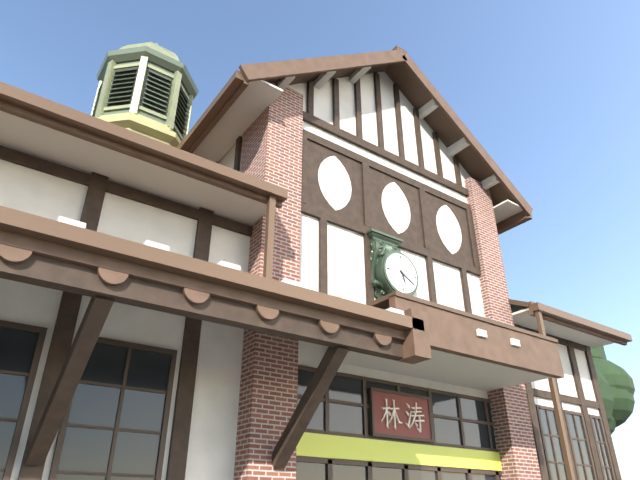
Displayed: 5 h 20 min
